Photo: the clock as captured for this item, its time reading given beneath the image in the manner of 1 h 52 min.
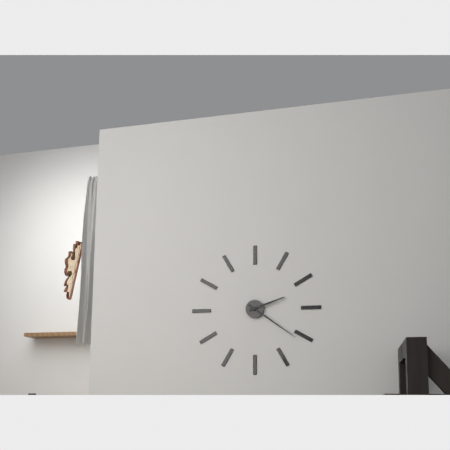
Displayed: 2 h 21 min
